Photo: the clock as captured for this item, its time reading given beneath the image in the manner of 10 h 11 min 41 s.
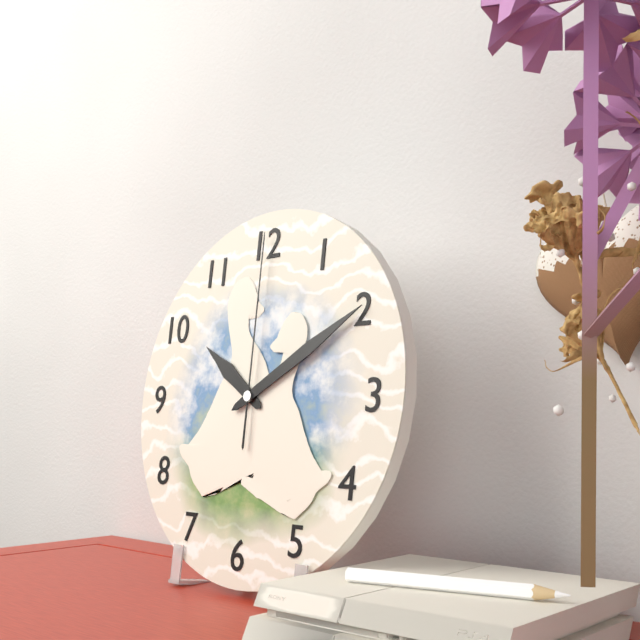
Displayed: 10 h 10 min 00 s
